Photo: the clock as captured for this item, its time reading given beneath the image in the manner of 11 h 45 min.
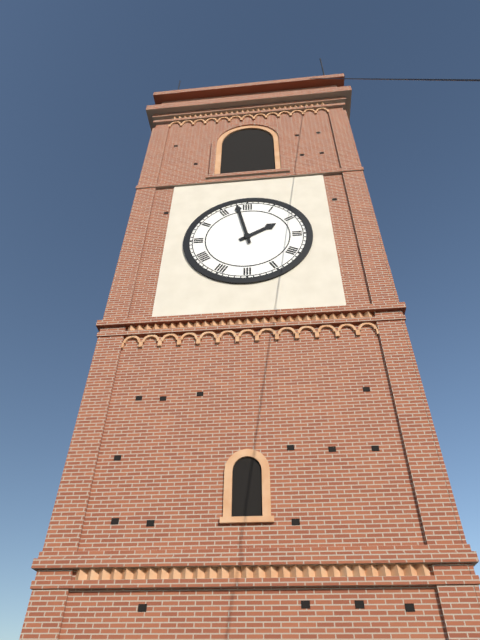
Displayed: 1 h 58 min
